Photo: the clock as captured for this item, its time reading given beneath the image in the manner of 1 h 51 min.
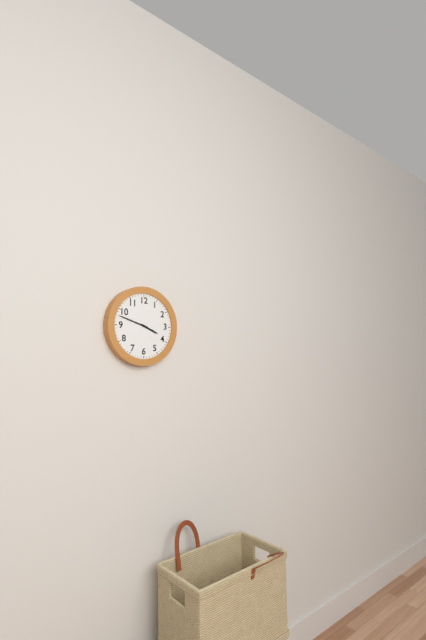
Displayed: 3 h 48 min
